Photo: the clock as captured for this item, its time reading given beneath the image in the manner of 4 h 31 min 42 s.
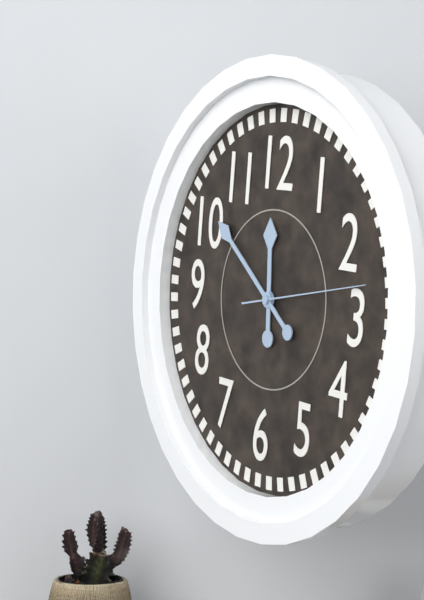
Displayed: 11 h 51 min 13 s
